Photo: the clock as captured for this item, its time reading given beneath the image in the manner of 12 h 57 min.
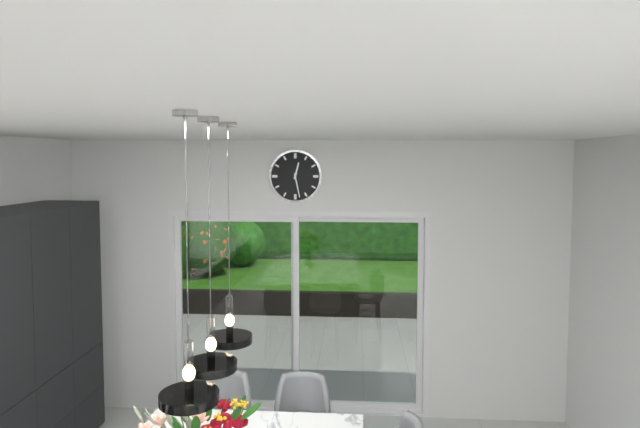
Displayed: 12 h 28 min
